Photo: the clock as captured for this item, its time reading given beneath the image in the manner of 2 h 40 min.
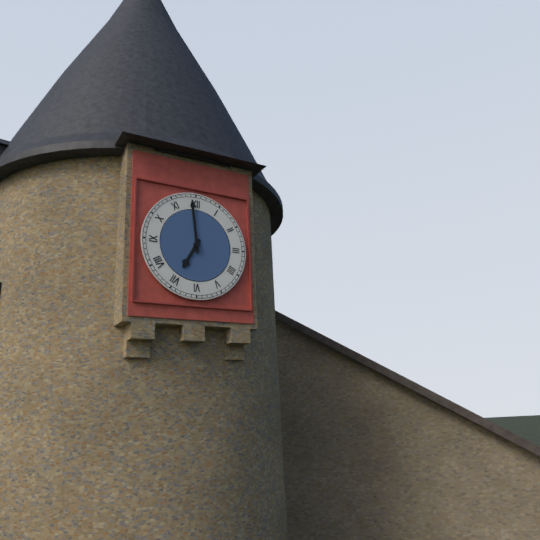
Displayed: 6 h 59 min
